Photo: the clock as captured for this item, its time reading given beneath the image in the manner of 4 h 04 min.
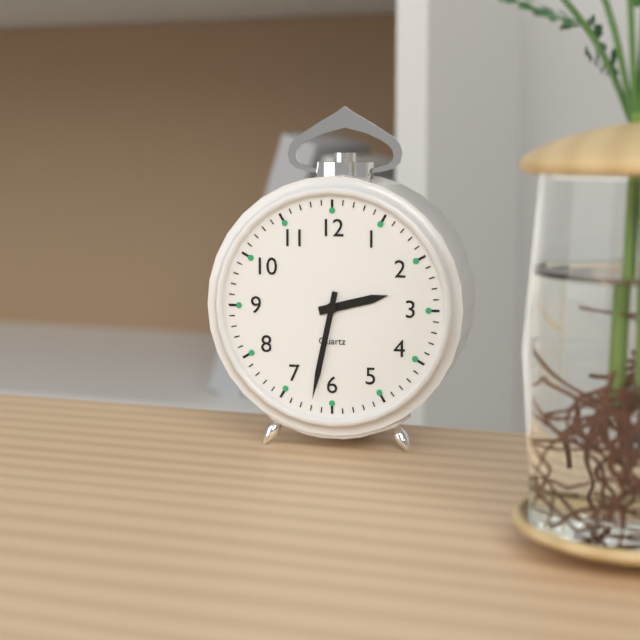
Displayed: 2 h 32 min
